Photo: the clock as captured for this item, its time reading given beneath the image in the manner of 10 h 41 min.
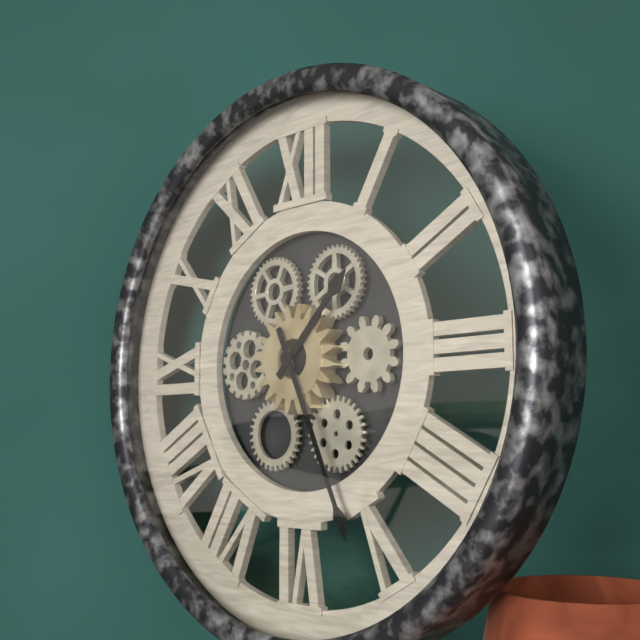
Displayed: 1 h 26 min
